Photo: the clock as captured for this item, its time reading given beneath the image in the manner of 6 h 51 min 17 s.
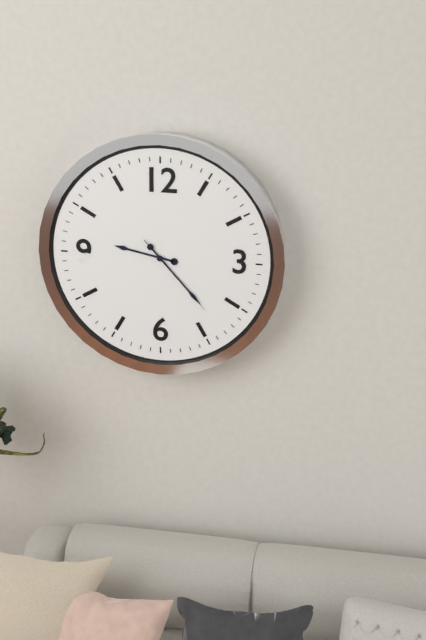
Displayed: 9 h 23 min 23 s
